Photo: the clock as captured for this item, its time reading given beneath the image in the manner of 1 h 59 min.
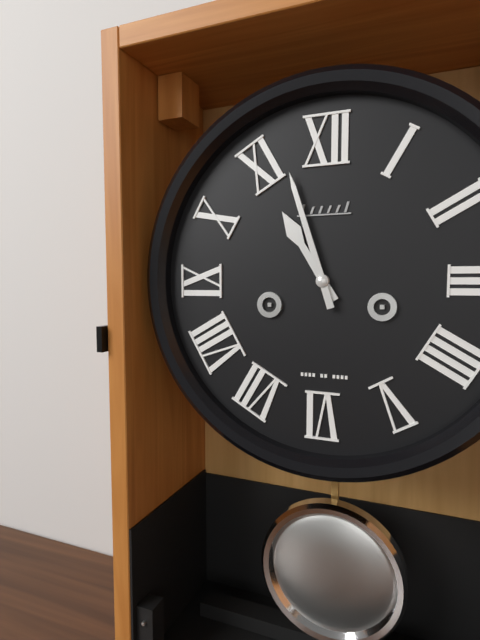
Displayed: 10 h 57 min
